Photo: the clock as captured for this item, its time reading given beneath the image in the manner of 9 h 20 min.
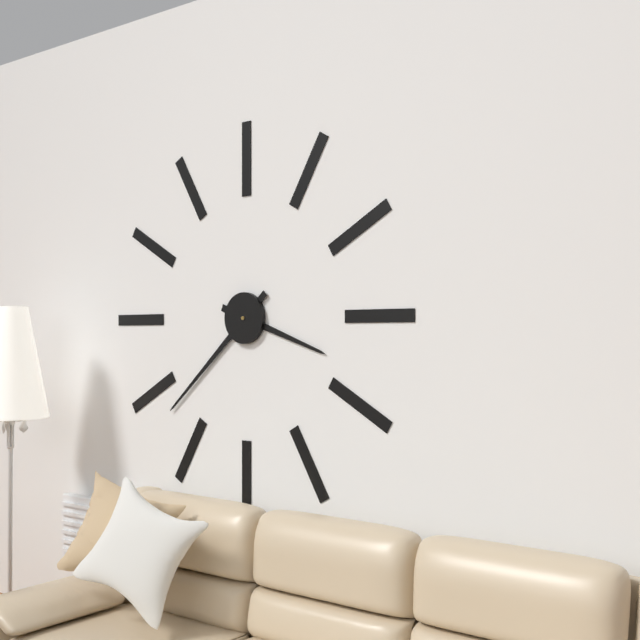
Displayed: 3 h 38 min
